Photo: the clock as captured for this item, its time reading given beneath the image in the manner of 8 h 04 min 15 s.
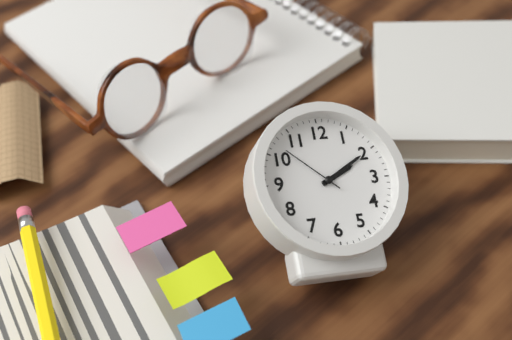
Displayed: 2 h 10 min 52 s
